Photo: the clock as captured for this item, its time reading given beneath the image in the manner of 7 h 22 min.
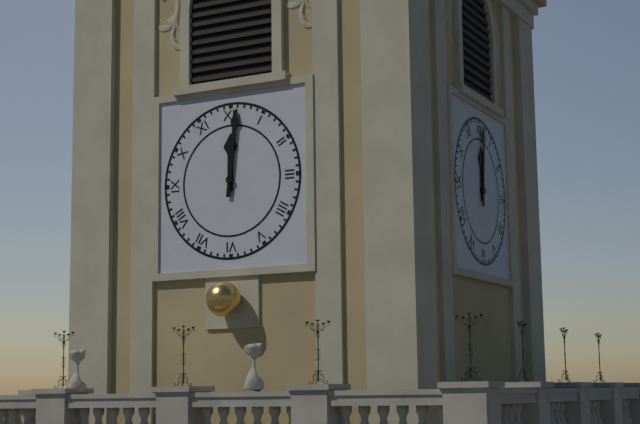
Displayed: 12 h 01 min
